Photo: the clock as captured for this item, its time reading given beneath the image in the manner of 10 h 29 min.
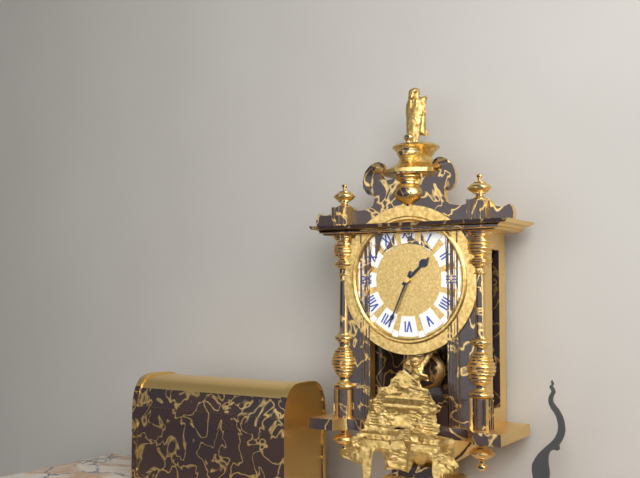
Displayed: 1 h 34 min
